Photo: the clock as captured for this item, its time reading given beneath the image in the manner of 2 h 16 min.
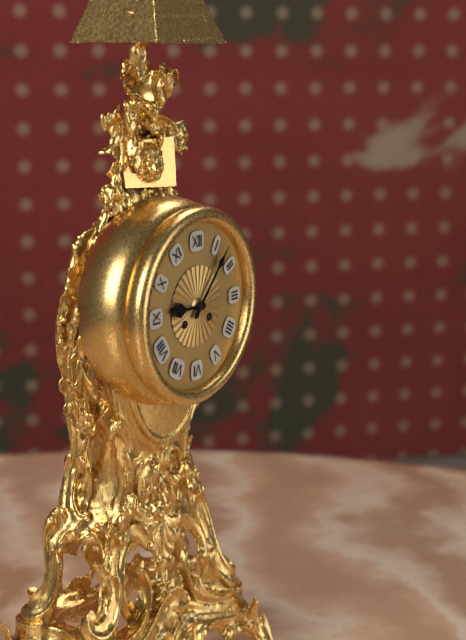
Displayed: 9 h 07 min
